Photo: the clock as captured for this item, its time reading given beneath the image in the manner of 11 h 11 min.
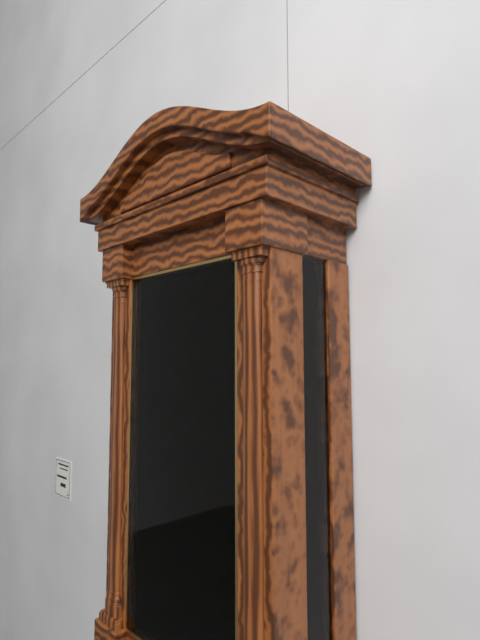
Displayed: 11 h 15 min
